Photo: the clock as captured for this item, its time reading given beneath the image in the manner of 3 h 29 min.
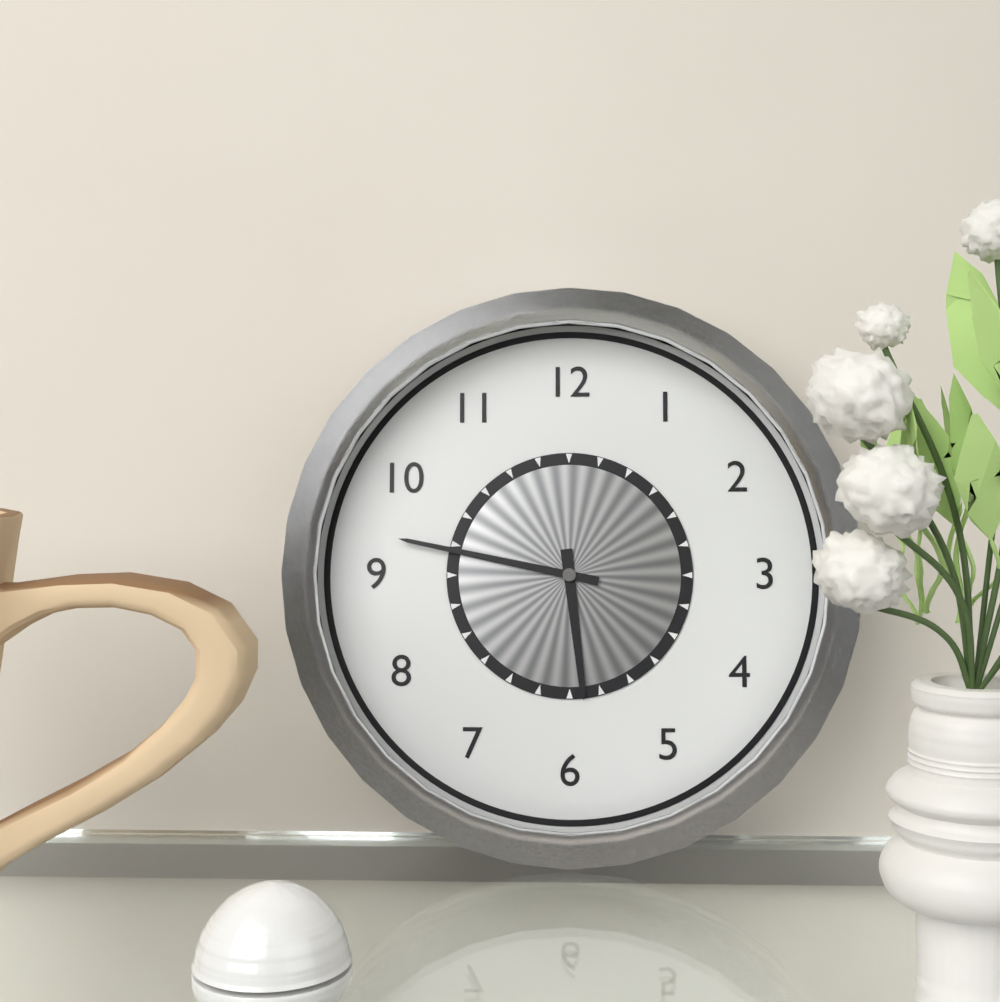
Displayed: 5 h 47 min
